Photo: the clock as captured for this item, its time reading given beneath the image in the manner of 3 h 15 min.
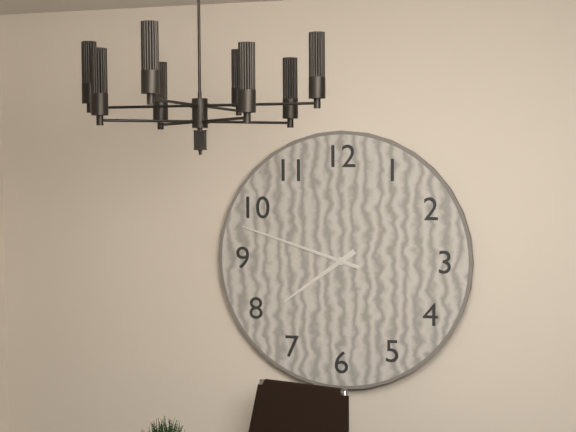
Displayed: 7 h 48 min
